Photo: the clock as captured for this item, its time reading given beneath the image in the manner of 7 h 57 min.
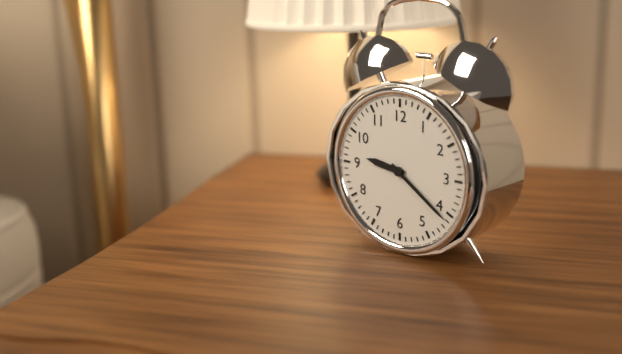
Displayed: 9 h 21 min
